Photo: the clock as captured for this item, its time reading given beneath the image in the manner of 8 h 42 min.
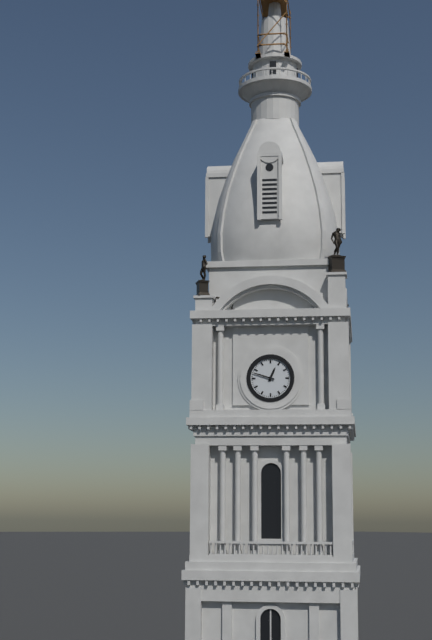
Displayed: 12 h 48 min
